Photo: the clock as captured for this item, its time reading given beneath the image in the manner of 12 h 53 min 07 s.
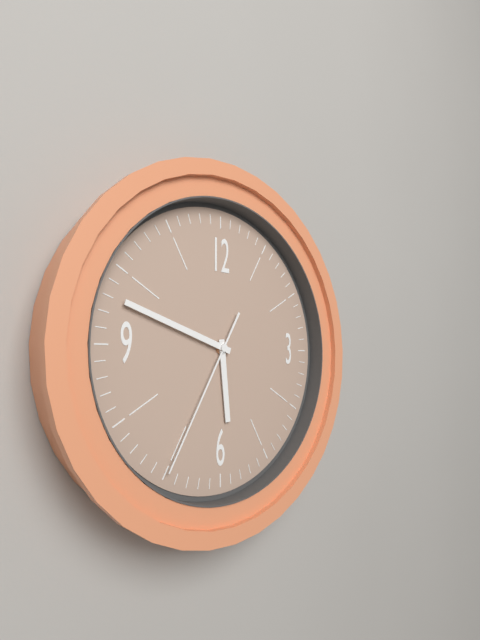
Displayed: 5 h 48 min 35 s
